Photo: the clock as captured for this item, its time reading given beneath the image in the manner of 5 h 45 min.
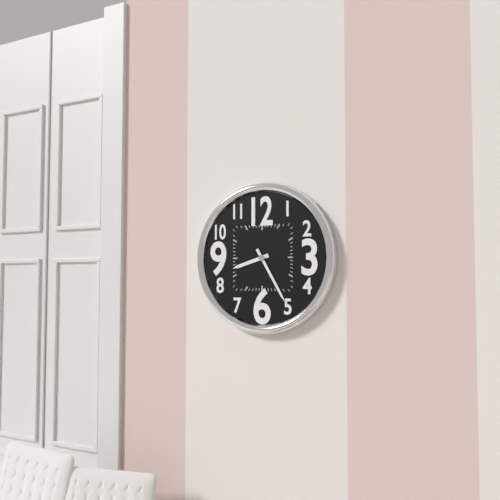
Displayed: 8 h 25 min
